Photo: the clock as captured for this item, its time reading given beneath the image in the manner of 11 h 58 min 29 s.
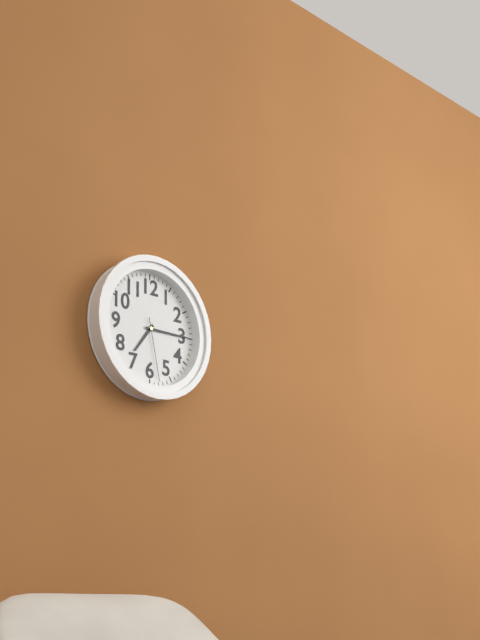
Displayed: 7 h 15 min 28 s
